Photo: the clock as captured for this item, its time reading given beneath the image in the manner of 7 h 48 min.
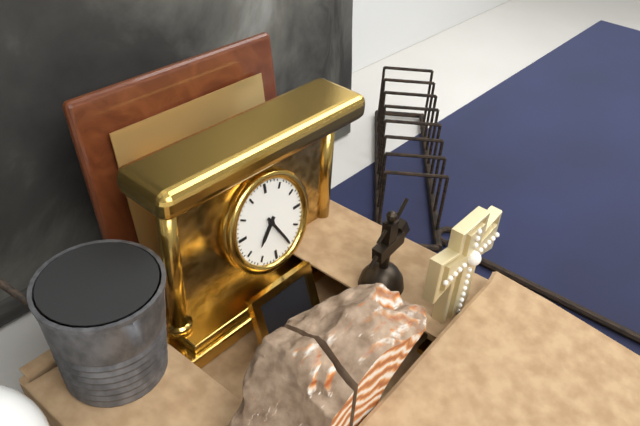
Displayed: 7 h 25 min
